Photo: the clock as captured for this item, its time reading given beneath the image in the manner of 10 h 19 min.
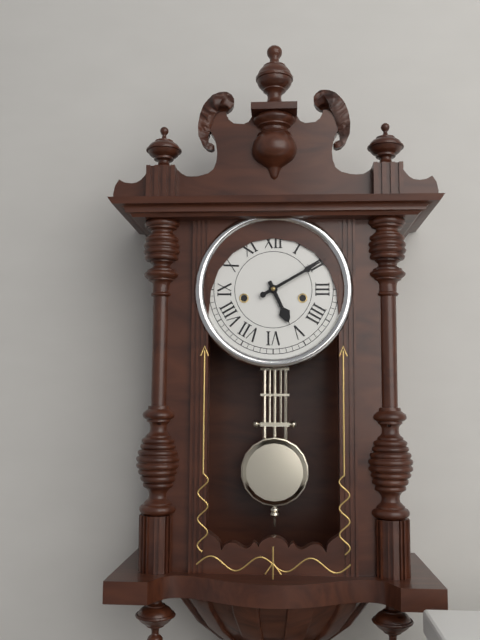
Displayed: 5 h 10 min
